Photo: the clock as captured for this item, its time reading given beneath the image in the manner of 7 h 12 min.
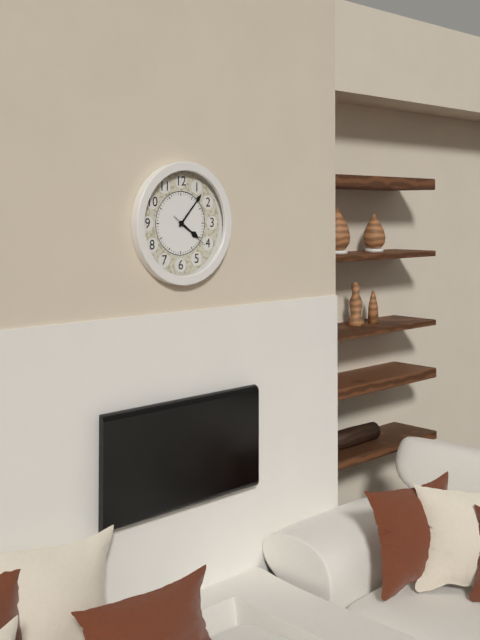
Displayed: 4 h 07 min
